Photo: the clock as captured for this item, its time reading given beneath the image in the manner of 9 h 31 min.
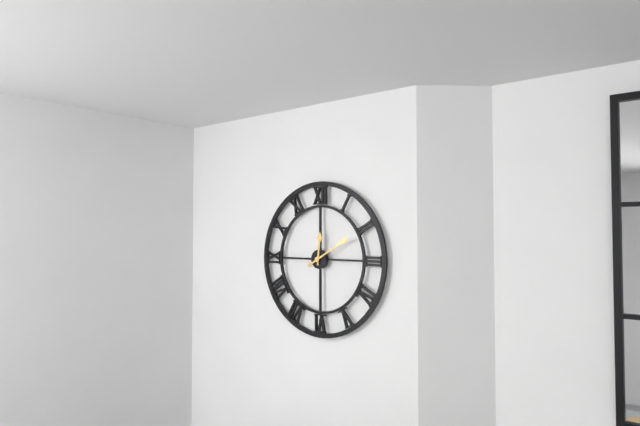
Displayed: 12 h 10 min
